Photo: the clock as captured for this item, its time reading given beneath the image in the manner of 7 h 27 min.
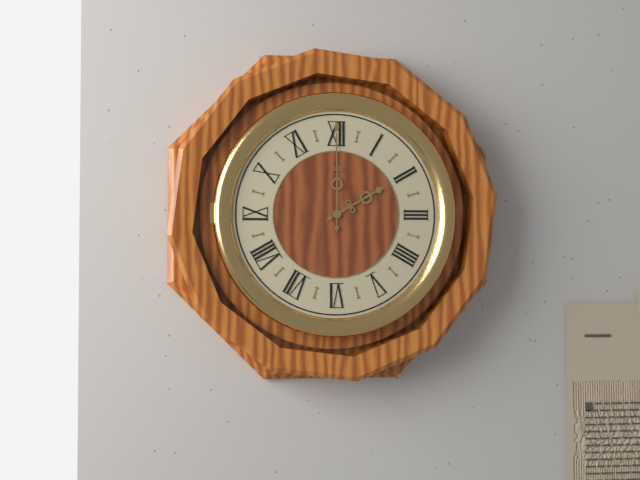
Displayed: 2 h 00 min
